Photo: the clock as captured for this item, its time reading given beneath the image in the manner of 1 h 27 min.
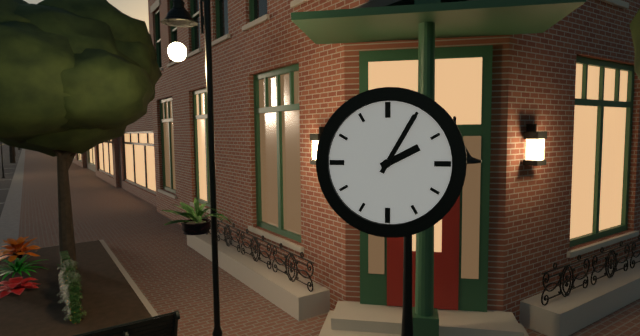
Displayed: 2 h 05 min
